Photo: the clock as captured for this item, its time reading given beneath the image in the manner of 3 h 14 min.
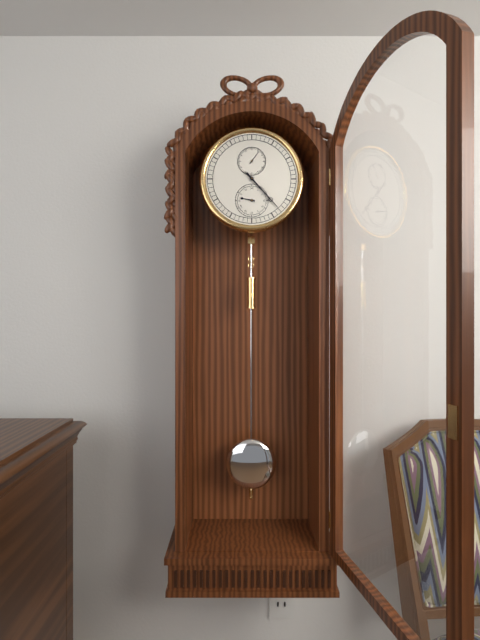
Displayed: 9 h 23 min
